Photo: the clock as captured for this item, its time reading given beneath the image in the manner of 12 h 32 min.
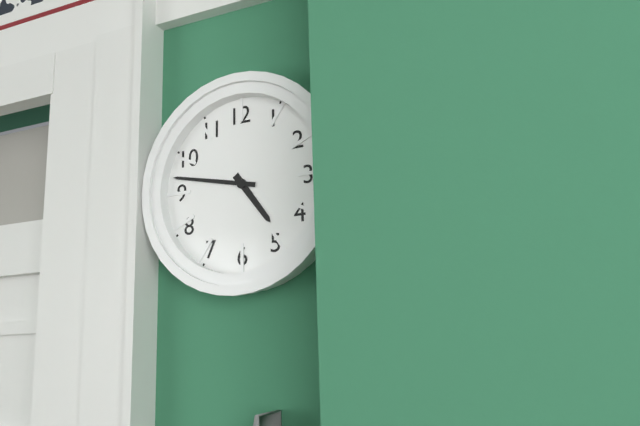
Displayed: 4 h 47 min
